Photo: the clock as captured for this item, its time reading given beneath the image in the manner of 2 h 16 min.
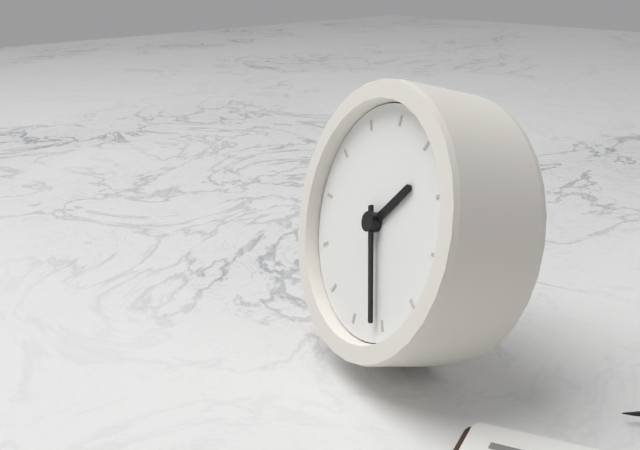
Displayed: 1 h 26 min
